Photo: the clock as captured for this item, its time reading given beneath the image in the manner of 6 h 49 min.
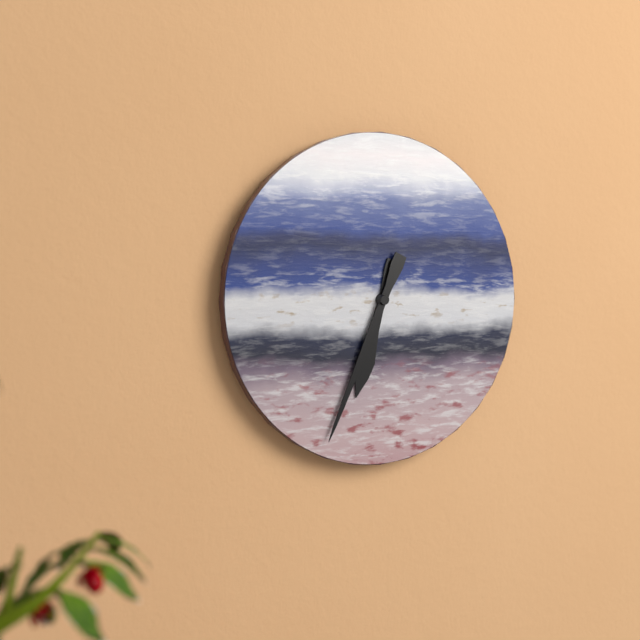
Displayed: 6 h 34 min
